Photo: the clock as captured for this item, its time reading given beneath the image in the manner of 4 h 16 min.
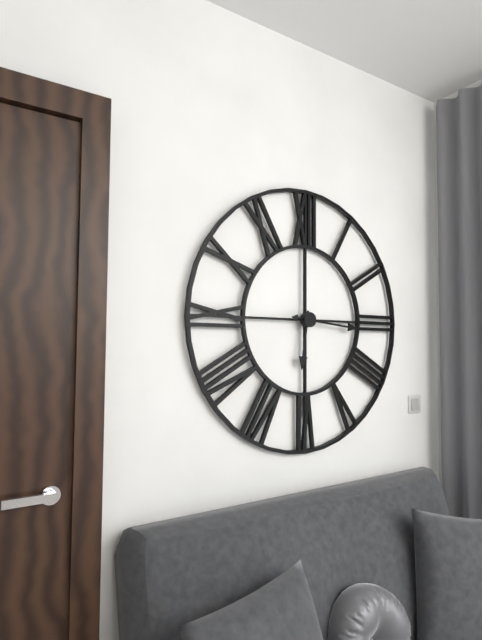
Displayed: 6 h 16 min
